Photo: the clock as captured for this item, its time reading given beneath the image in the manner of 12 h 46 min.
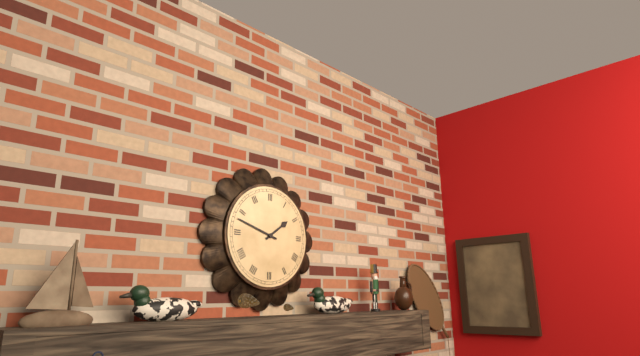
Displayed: 1 h 48 min
